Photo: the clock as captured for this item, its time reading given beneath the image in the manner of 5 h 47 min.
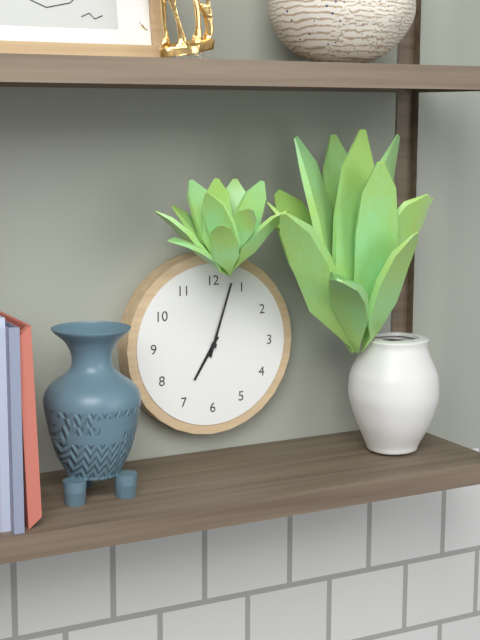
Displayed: 7 h 03 min
